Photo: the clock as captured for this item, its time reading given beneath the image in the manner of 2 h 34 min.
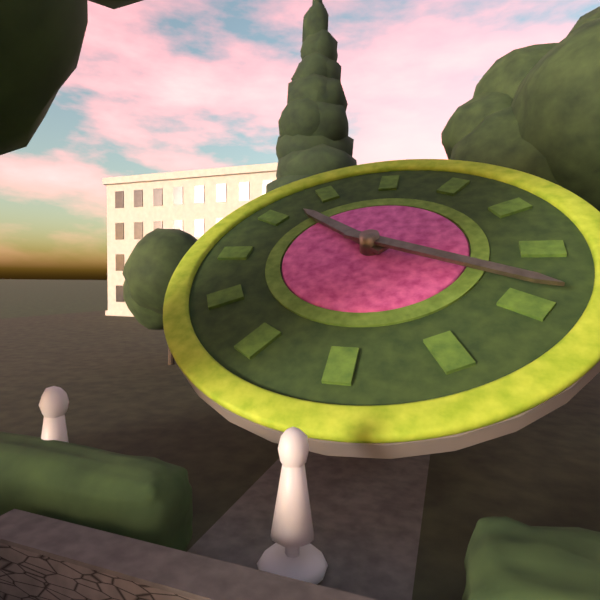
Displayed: 10 h 19 min
